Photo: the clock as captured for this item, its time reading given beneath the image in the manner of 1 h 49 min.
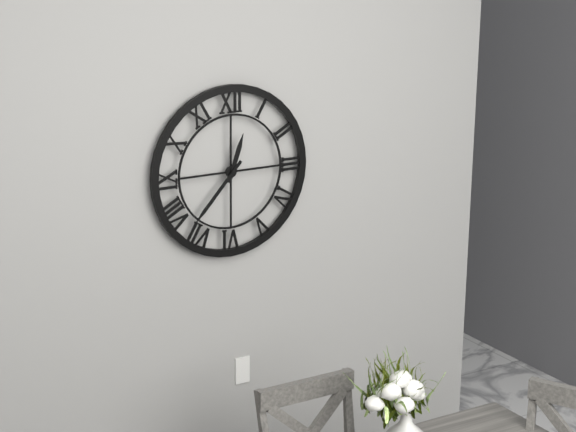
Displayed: 12 h 37 min
